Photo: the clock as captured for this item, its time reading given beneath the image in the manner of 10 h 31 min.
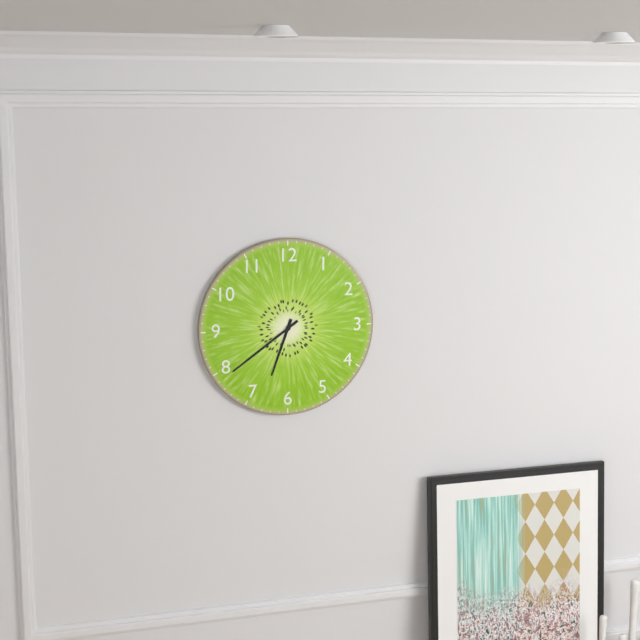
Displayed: 6 h 39 min
